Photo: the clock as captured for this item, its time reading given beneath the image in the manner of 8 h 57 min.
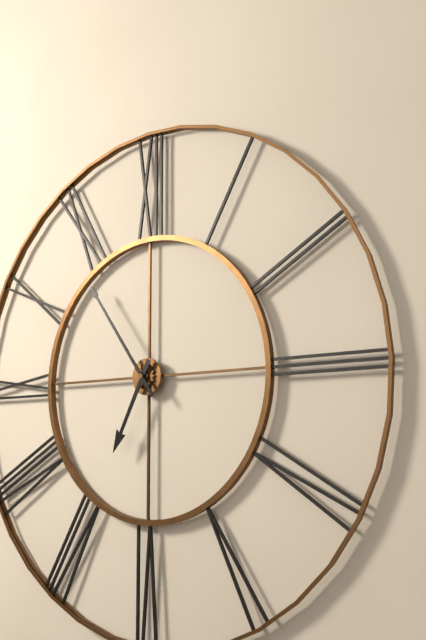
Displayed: 6 h 54 min
